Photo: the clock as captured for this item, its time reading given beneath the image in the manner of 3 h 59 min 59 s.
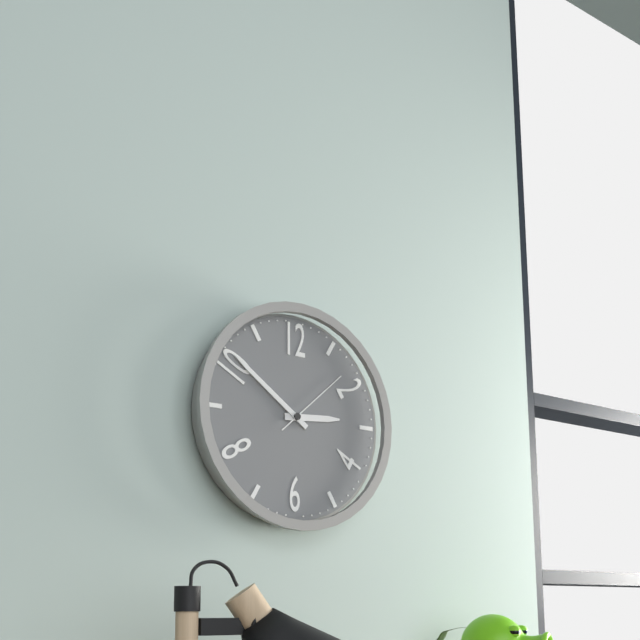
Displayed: 2 h 51 min 08 s
